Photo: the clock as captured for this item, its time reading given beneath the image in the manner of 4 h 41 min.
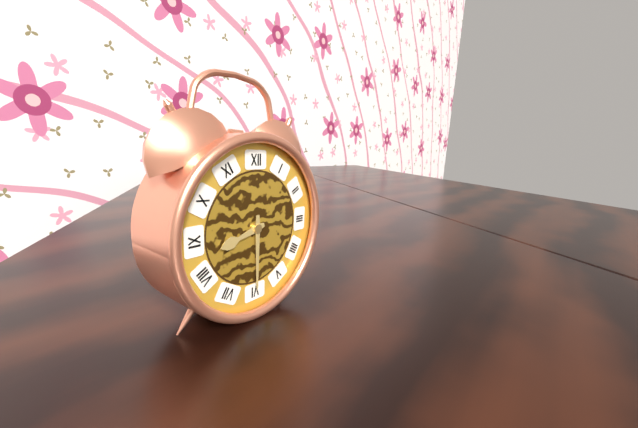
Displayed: 8 h 30 min
